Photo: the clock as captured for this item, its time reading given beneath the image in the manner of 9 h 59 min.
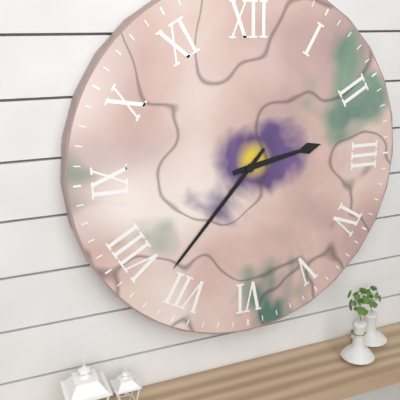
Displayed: 2 h 37 min
